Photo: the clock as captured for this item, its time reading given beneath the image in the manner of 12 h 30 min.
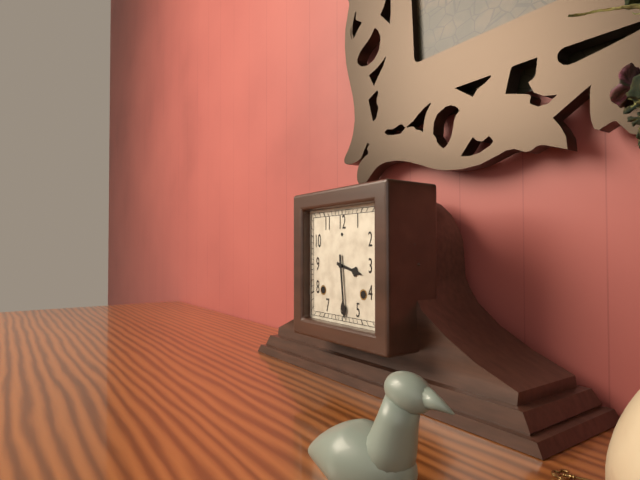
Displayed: 3 h 29 min
